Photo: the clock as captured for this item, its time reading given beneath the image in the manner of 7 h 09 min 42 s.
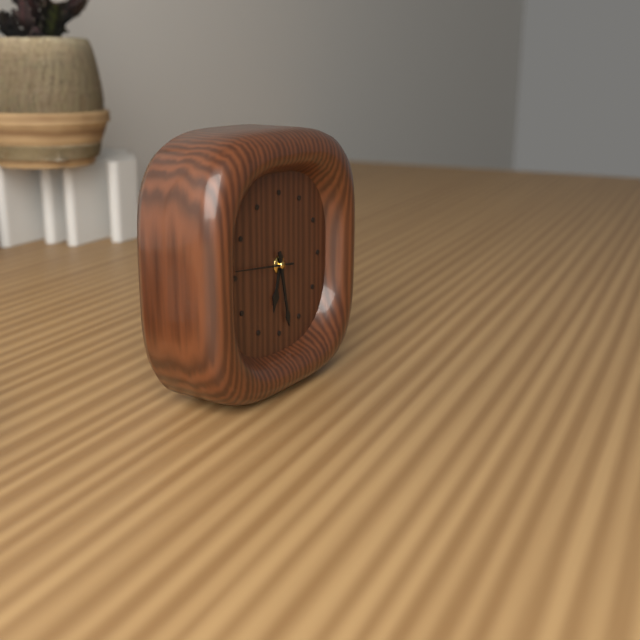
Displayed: 6 h 28 min 46 s
